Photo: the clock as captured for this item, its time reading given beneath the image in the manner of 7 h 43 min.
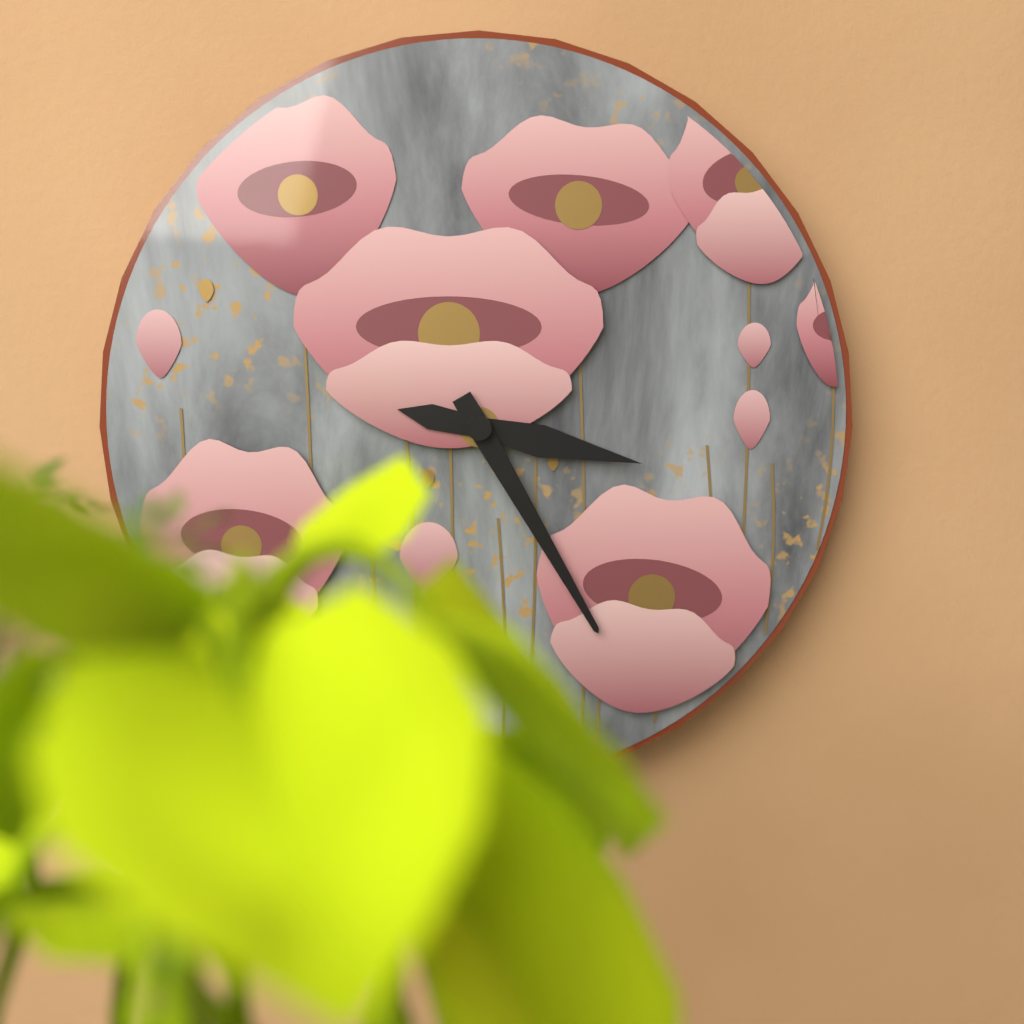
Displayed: 3 h 25 min
